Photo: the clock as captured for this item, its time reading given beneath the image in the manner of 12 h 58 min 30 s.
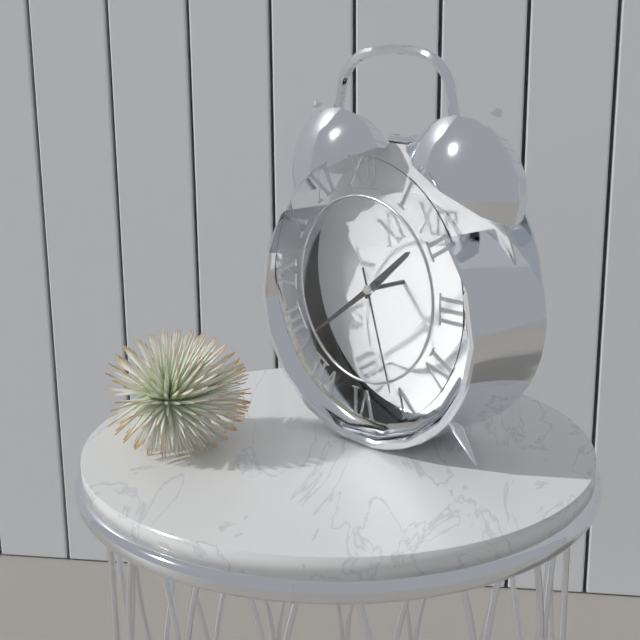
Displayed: 1 h 39 min 27 s
